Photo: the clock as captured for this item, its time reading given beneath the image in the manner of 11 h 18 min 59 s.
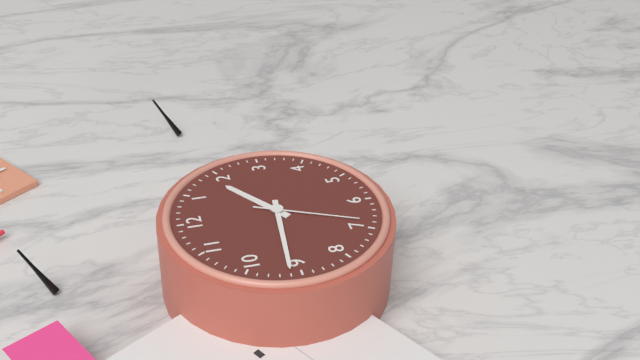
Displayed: 1 h 46 min 34 s
